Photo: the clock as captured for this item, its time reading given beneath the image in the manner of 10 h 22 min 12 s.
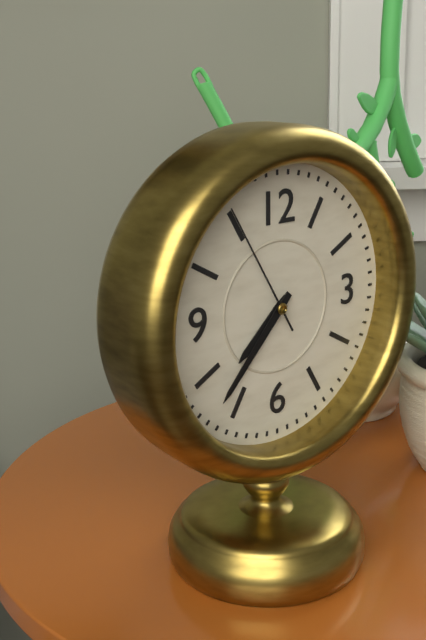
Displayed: 7 h 37 min 55 s
